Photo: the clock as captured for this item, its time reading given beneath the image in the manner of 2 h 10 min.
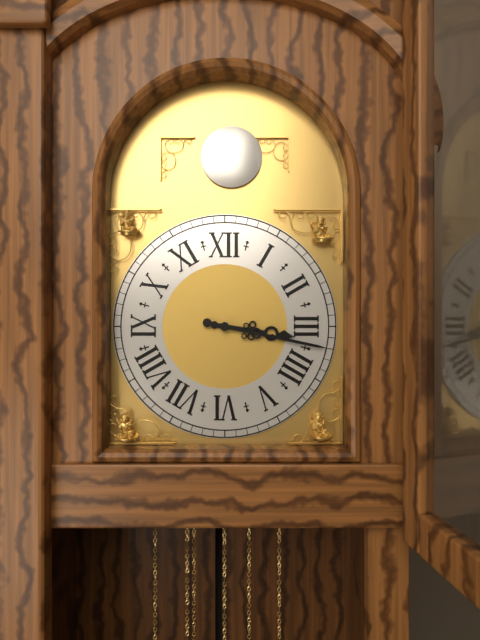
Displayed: 3 h 17 min
